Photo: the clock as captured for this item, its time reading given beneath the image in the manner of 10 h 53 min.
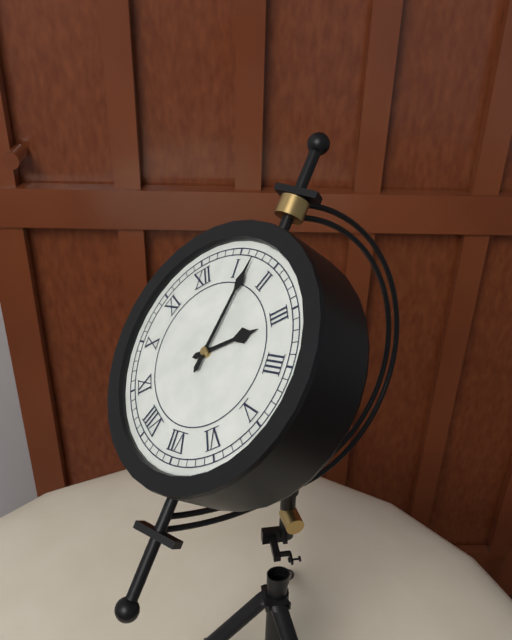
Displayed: 3 h 07 min
